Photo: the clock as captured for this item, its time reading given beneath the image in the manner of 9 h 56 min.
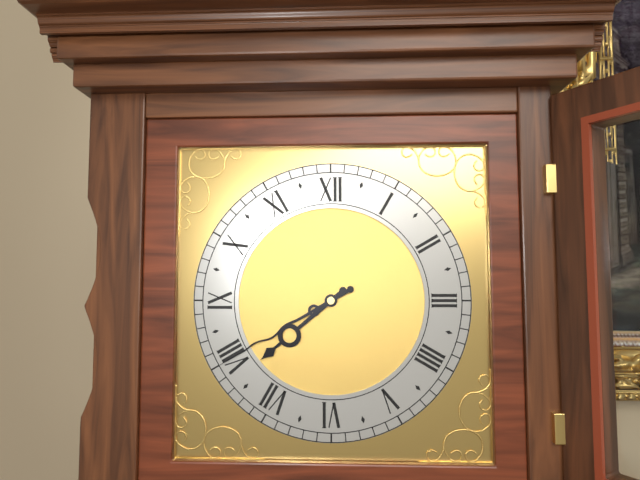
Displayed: 7 h 40 min
